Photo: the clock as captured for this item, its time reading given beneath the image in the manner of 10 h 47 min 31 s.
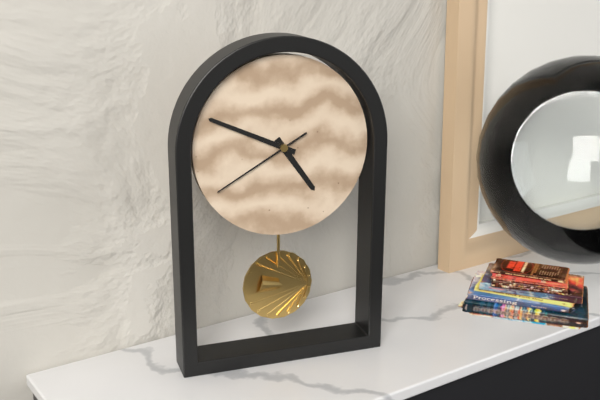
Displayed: 4 h 49 min 40 s
